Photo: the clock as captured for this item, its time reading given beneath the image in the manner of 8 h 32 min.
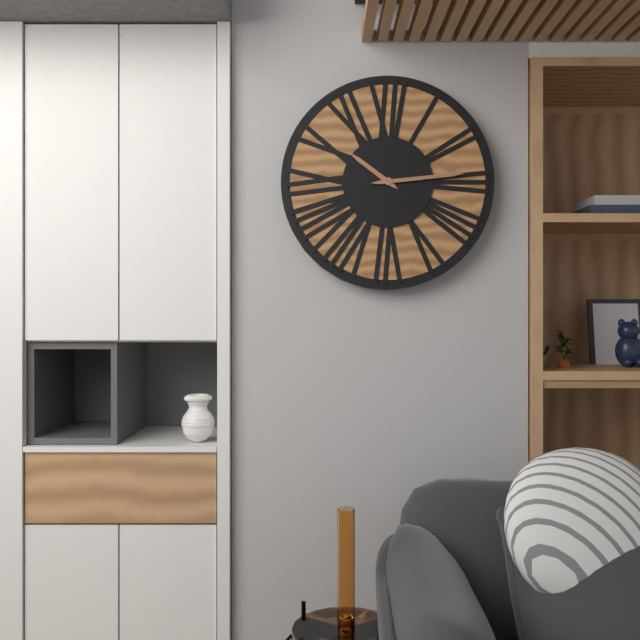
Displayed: 10 h 14 min
